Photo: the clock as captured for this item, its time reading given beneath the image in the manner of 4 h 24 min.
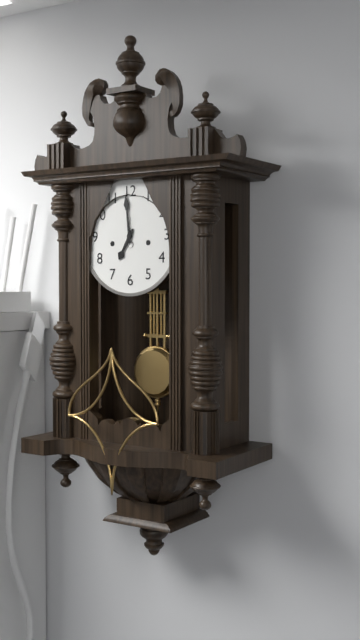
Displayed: 6 h 59 min
